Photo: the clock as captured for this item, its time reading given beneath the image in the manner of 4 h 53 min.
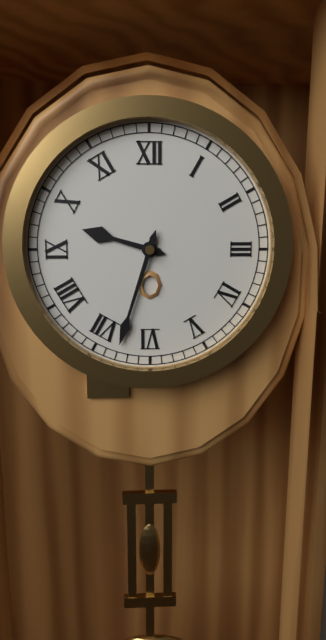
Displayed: 9 h 33 min
